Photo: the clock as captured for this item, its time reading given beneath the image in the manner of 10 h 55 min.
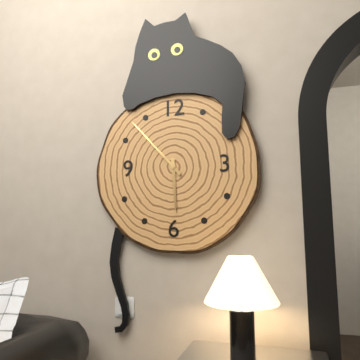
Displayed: 5 h 53 min
